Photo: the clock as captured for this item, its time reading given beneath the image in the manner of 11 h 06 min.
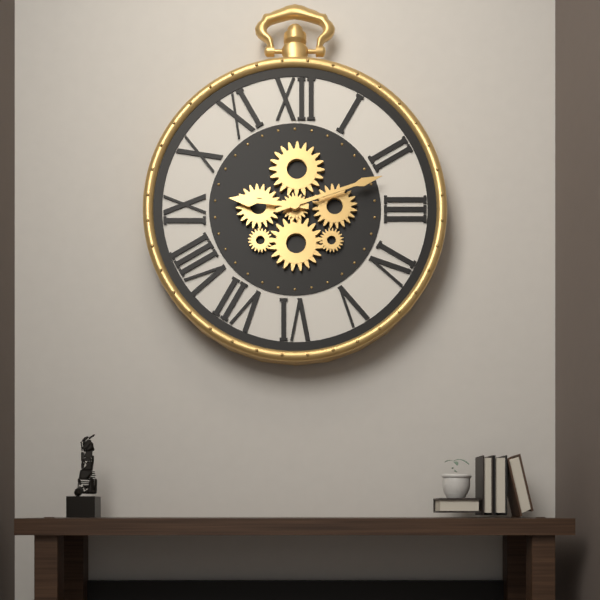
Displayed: 9 h 12 min
